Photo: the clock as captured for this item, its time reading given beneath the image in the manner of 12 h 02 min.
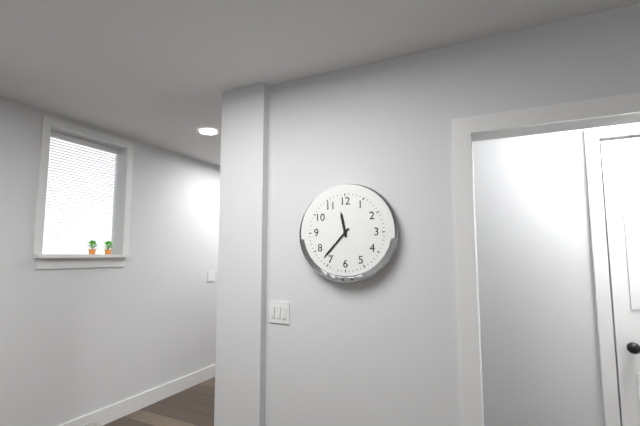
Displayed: 11 h 37 min
